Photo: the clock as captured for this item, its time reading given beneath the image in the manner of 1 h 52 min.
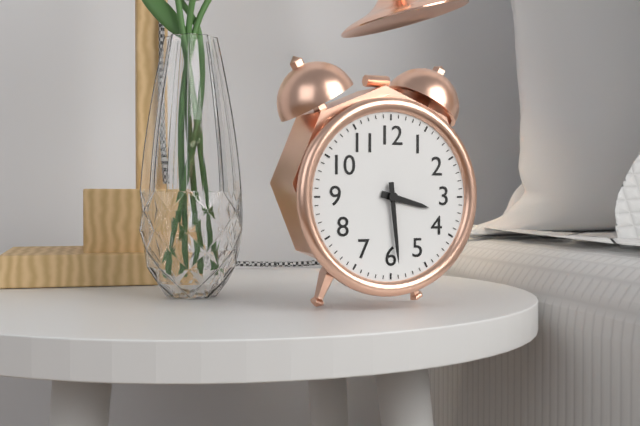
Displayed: 3 h 29 min
